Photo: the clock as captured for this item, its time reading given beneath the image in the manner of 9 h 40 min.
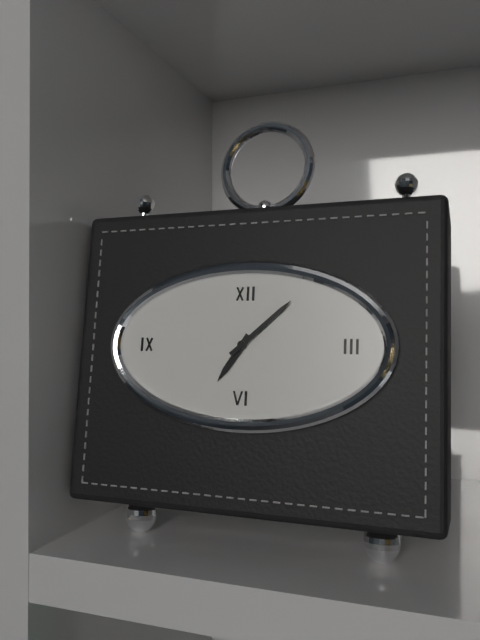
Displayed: 7 h 08 min
